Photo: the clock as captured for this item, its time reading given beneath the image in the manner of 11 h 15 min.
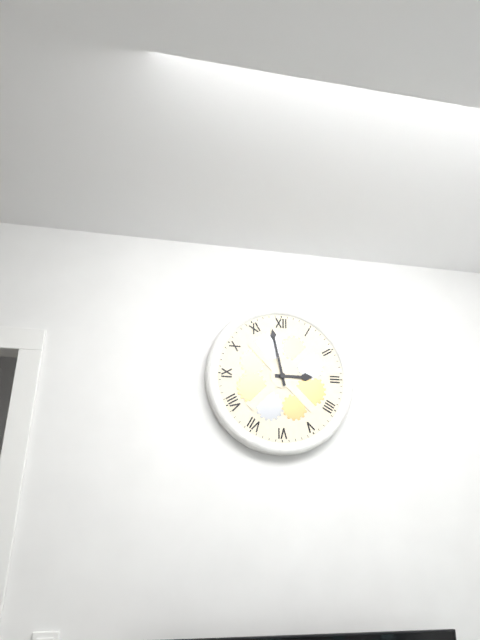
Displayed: 2 h 58 min
